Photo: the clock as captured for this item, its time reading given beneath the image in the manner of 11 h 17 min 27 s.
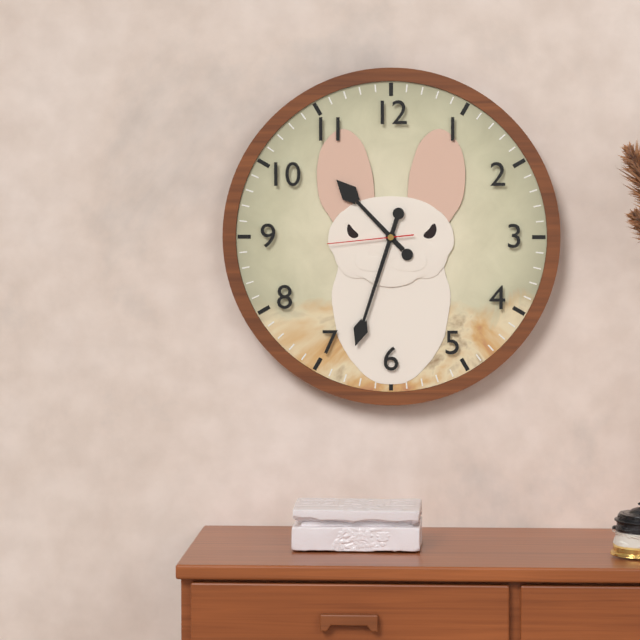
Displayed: 10 h 33 min 44 s
